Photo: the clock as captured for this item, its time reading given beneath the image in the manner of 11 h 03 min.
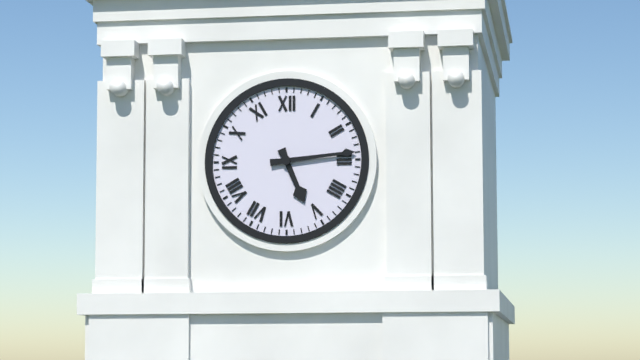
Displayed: 5 h 14 min
